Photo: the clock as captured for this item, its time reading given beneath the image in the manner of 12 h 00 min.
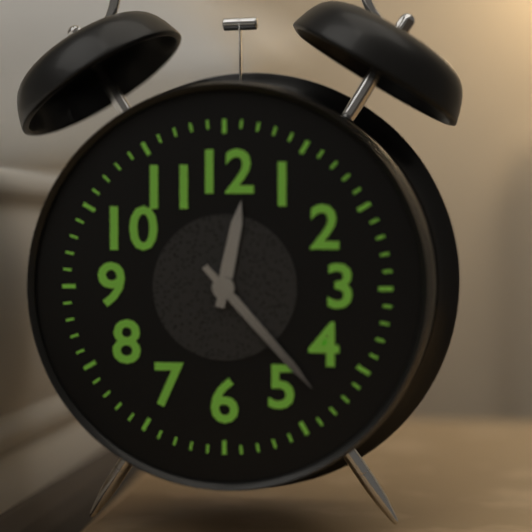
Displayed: 12 h 23 min
